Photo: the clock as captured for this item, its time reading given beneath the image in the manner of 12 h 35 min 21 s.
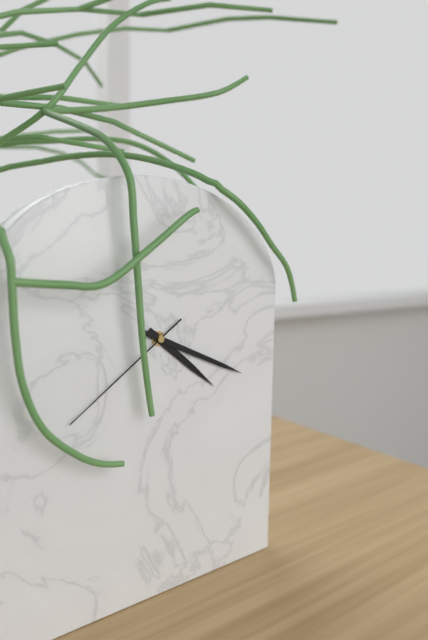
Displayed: 4 h 19 min 39 s
